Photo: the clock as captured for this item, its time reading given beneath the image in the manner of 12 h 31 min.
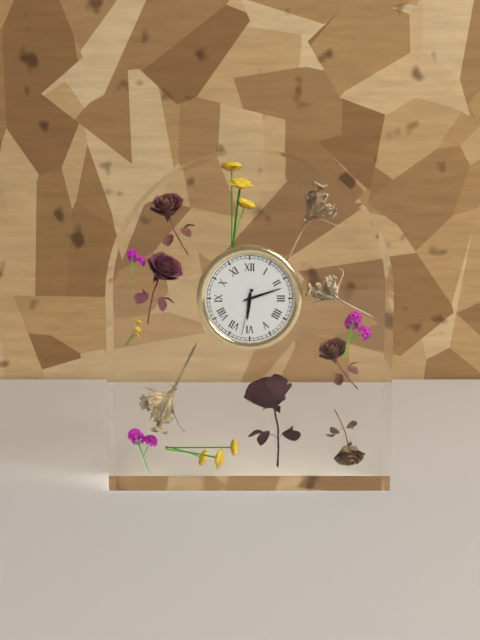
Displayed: 6 h 12 min
